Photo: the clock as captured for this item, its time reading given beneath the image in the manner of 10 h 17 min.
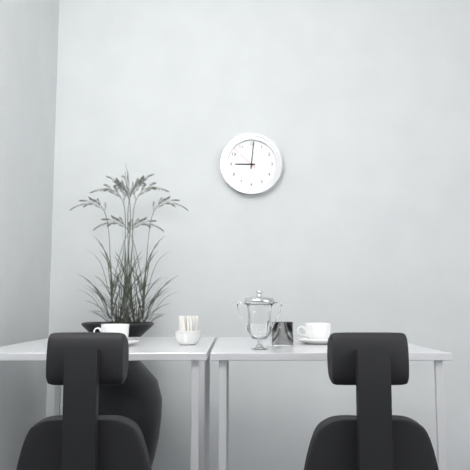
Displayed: 9 h 01 min
